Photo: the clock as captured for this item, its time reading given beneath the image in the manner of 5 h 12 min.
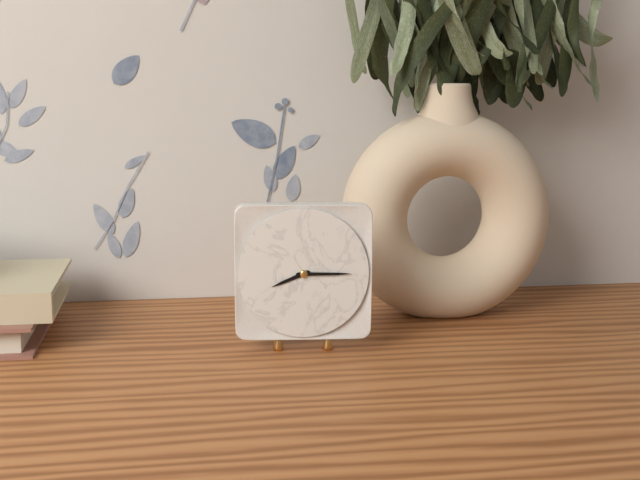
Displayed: 8 h 15 min
